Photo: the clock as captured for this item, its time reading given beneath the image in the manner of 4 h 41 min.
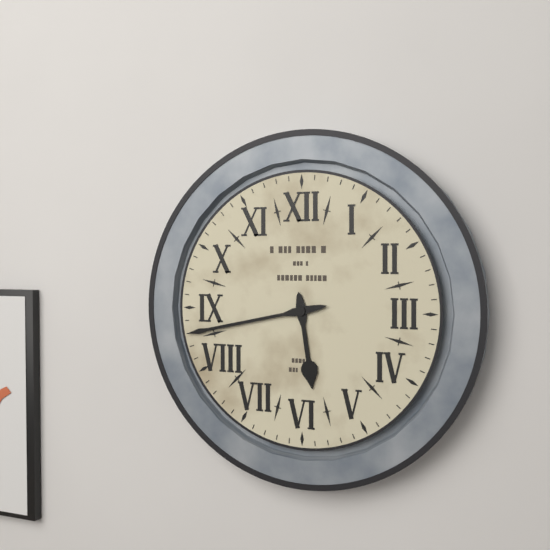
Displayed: 5 h 43 min
